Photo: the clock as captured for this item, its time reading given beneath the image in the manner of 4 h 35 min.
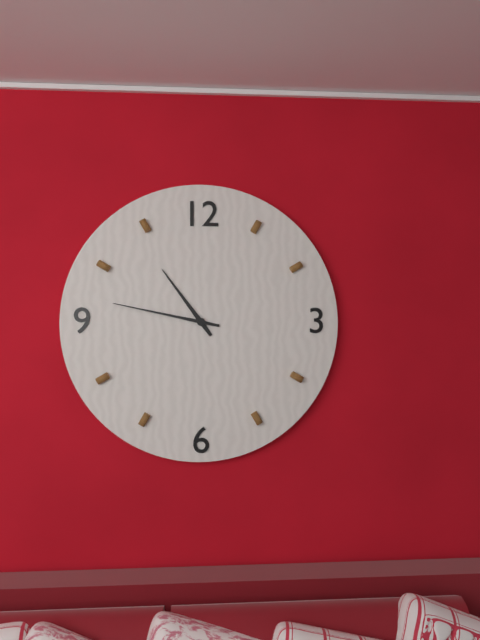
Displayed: 10 h 47 min
